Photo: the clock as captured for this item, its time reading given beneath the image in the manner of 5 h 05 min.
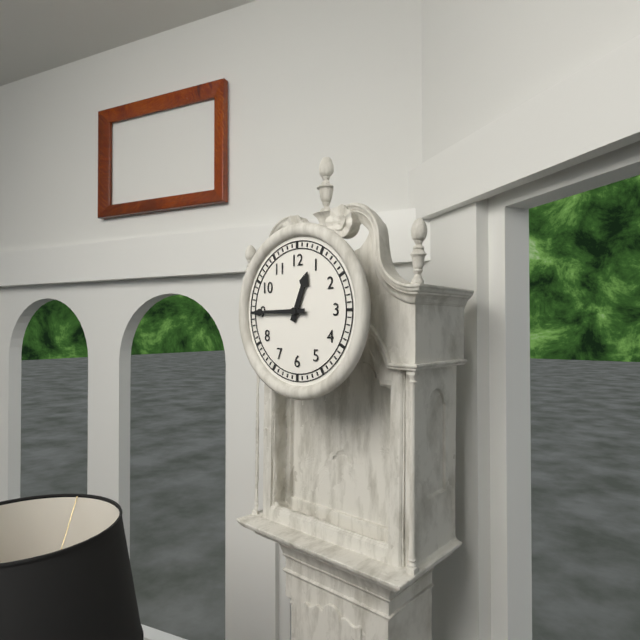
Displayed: 12 h 45 min
